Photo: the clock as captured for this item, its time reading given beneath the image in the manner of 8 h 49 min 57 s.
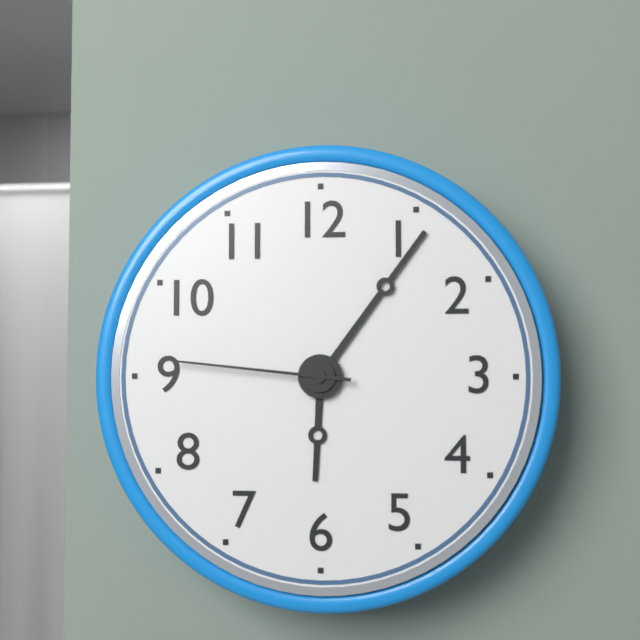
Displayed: 6 h 06 min 46 s
